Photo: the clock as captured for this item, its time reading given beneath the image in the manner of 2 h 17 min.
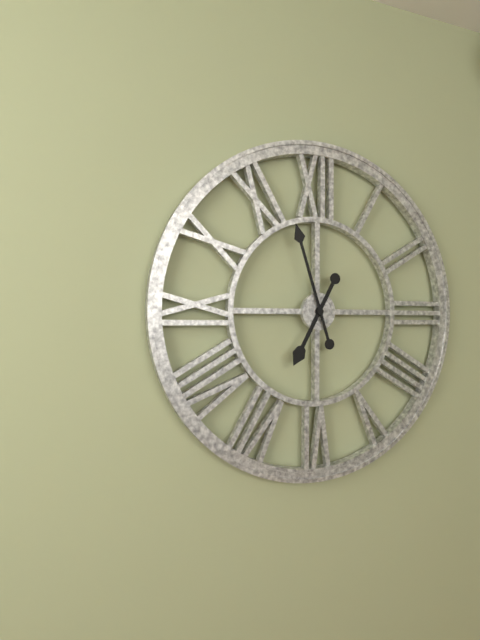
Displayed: 6 h 57 min
